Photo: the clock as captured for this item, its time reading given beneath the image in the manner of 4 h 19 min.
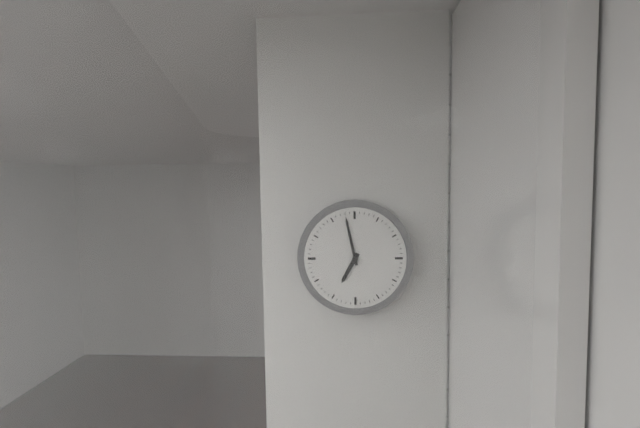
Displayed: 6 h 58 min
